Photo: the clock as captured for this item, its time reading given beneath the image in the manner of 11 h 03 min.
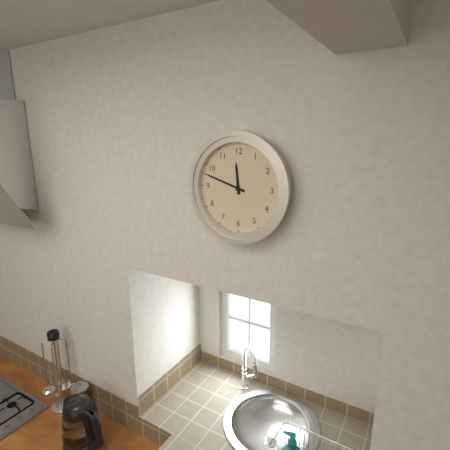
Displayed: 11 h 48 min
